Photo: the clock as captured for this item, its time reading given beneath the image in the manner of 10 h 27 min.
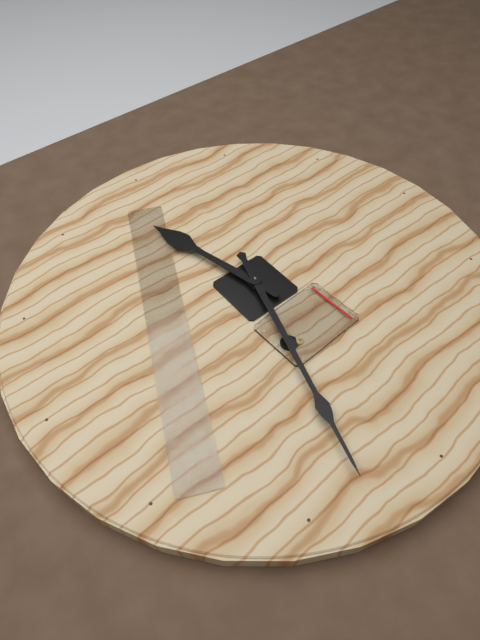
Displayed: 11 h 33 min
